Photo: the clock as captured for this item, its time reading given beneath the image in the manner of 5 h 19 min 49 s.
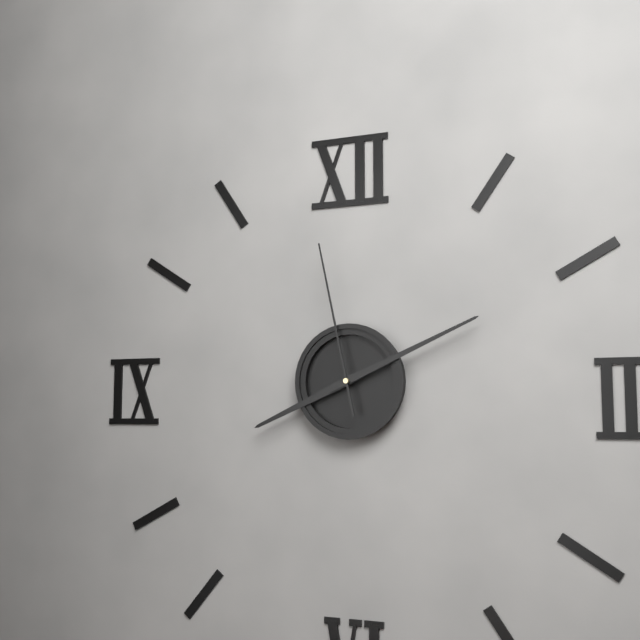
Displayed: 8 h 11 min 58 s
